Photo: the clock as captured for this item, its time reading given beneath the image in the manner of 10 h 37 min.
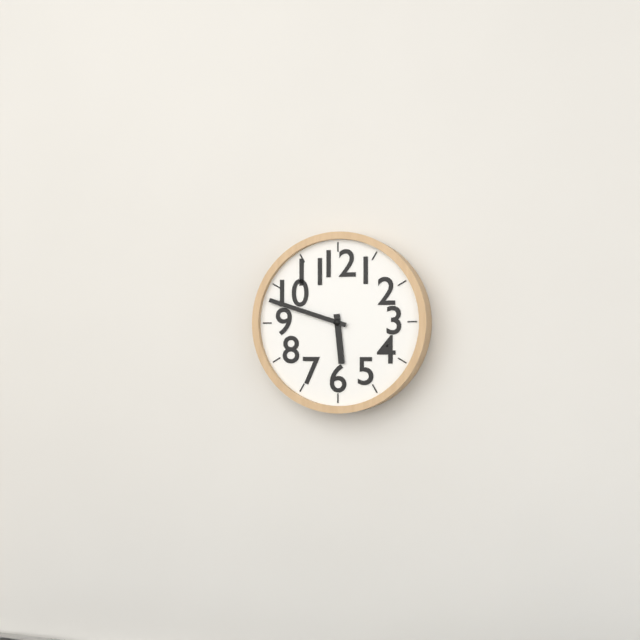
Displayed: 5 h 48 min
